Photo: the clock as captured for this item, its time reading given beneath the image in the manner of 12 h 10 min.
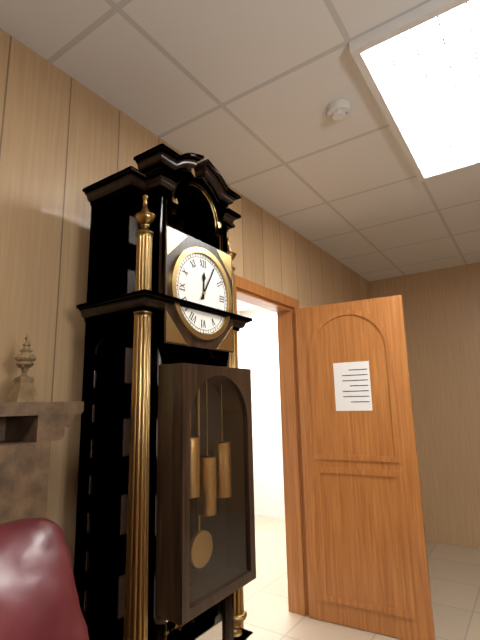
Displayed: 12 h 05 min
